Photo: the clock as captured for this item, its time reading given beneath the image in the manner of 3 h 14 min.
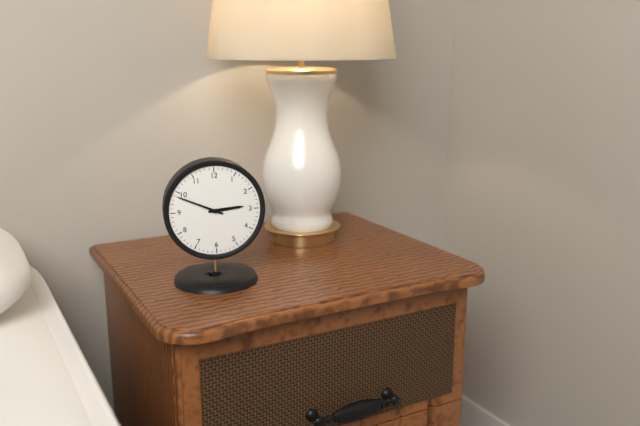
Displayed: 2 h 49 min
